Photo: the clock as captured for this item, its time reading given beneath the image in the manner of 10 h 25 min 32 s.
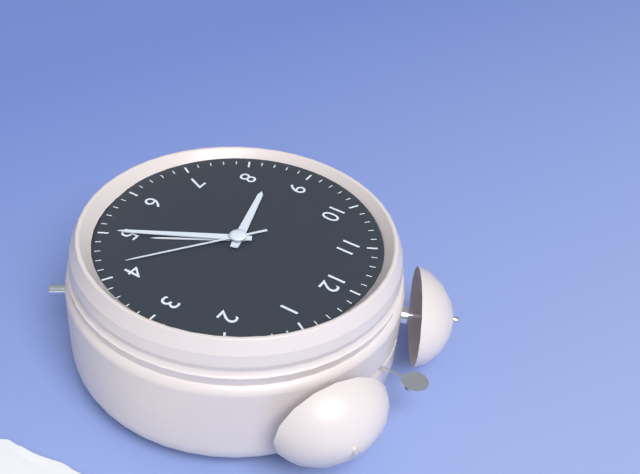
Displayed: 8 h 25 min 21 s
